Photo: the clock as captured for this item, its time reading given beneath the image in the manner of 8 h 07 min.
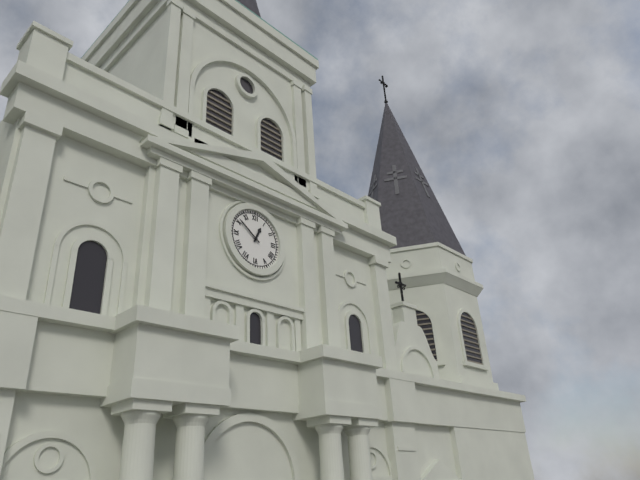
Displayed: 12 h 51 min
